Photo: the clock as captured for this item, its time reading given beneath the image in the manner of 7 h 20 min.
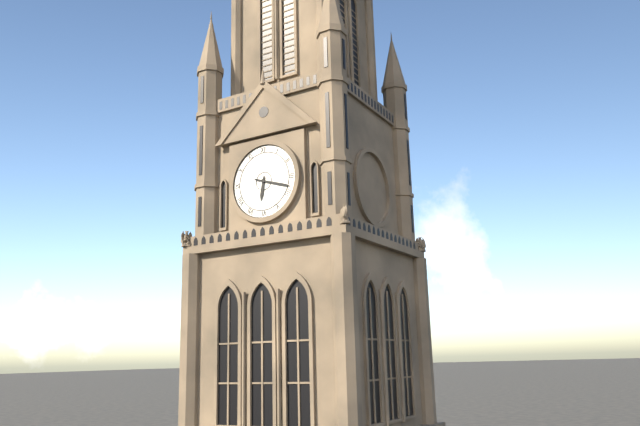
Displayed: 6 h 18 min
